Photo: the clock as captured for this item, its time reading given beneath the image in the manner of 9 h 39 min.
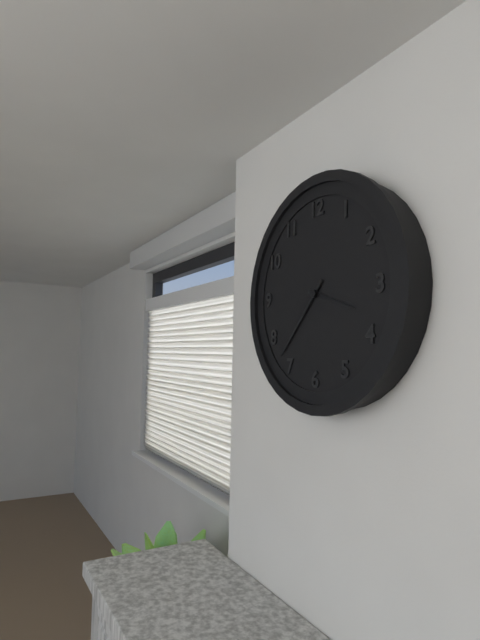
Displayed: 3 h 37 min
